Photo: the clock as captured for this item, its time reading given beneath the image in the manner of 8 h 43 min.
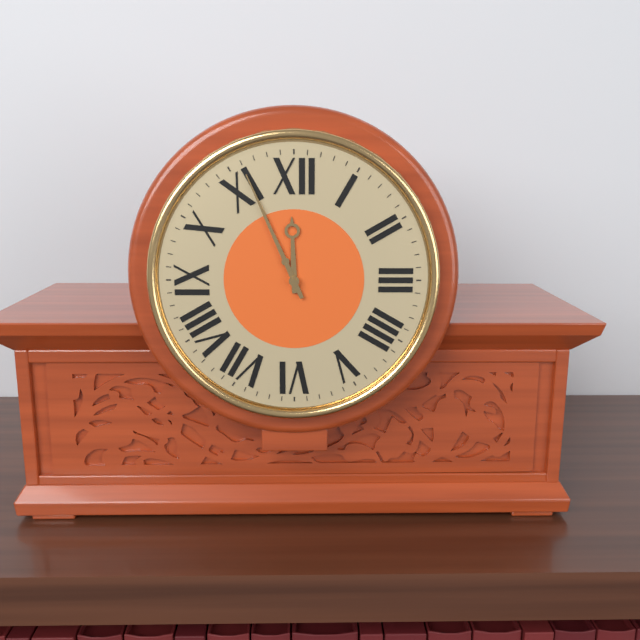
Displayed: 11 h 56 min
